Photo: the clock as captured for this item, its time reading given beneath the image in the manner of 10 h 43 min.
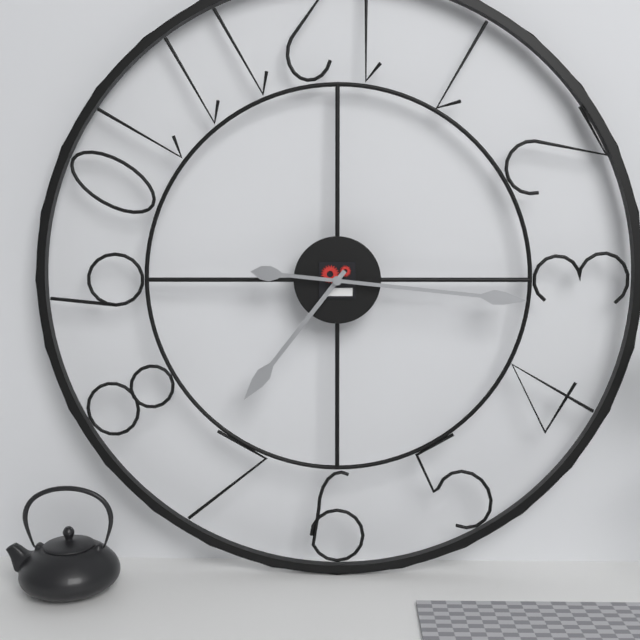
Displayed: 7 h 16 min
